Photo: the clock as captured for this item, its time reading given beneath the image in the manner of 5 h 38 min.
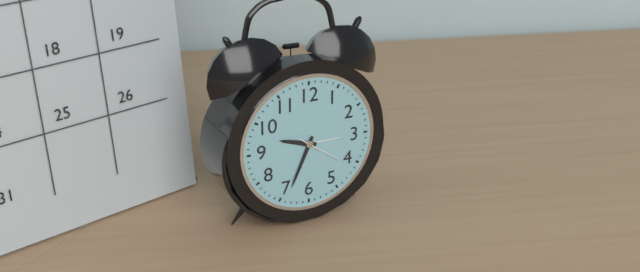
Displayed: 9 h 34 min
